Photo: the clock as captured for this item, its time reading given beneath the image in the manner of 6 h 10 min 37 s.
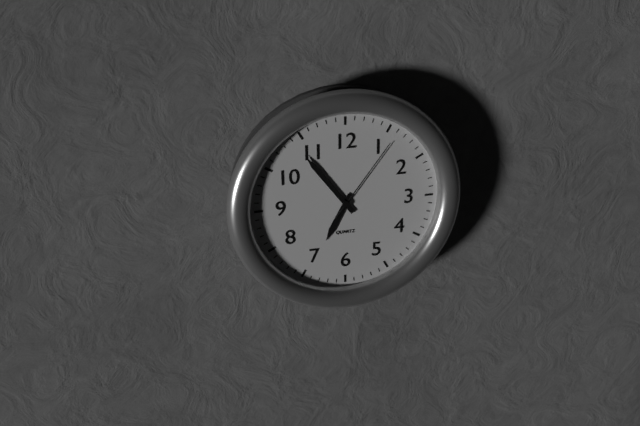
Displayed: 6 h 54 min 06 s
